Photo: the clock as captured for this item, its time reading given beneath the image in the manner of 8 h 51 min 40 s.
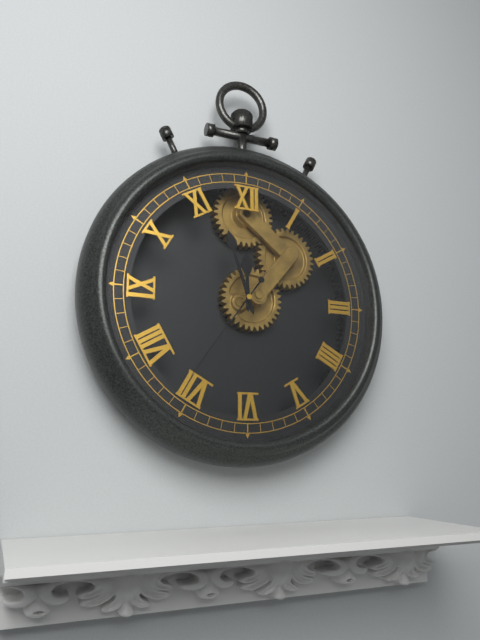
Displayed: 11 h 57 min 36 s
